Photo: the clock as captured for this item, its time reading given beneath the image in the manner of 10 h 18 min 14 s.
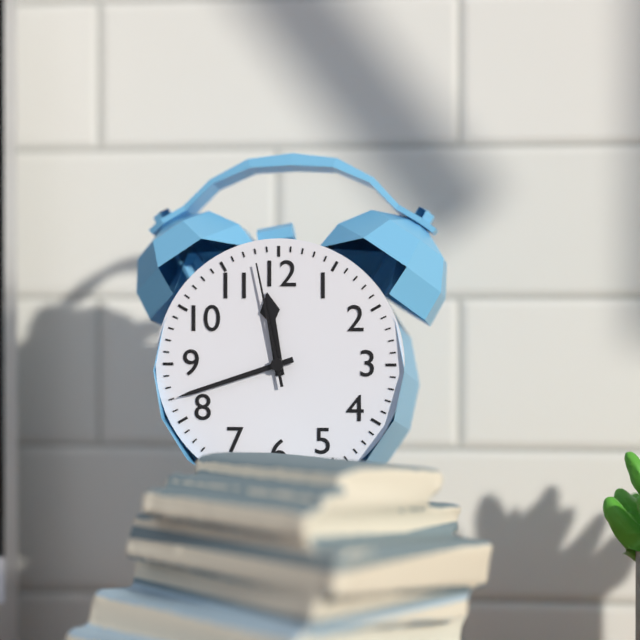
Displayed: 11 h 42 min 58 s
